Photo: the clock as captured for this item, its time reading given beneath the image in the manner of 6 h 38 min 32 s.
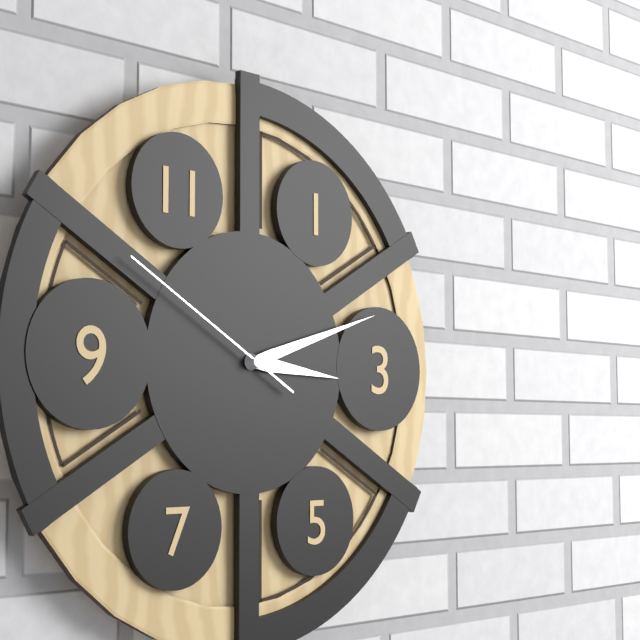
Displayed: 3 h 12 min 50 s
